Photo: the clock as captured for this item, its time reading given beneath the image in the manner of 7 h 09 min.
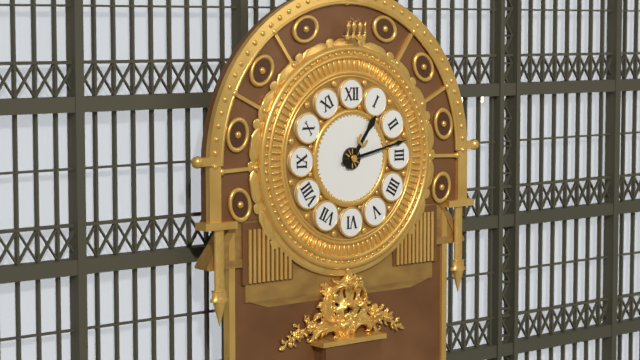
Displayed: 1 h 13 min
